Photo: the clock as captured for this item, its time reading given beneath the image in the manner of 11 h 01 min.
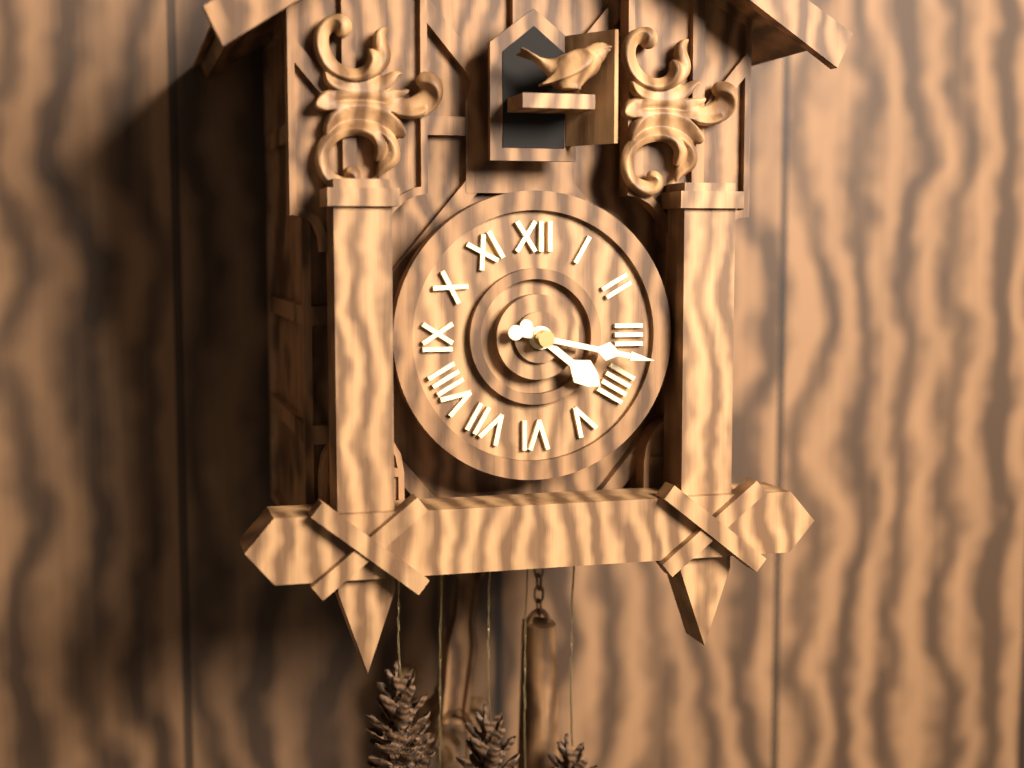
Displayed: 4 h 17 min
